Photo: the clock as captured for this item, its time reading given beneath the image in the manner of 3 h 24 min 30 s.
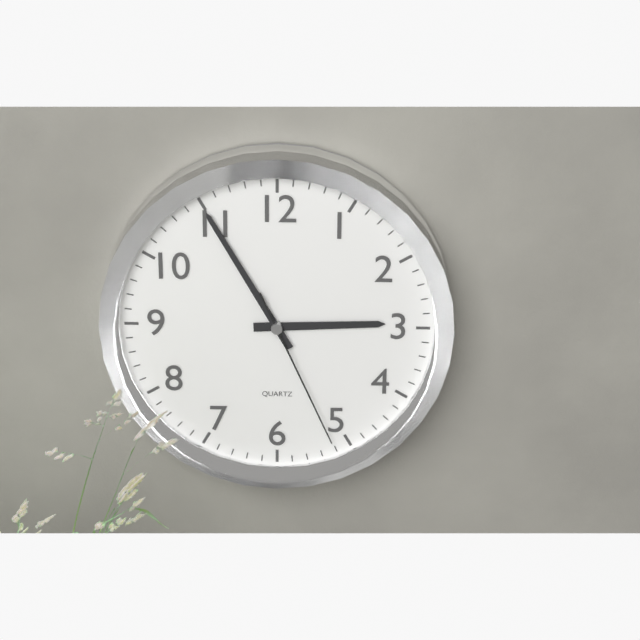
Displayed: 2 h 55 min 26 s
